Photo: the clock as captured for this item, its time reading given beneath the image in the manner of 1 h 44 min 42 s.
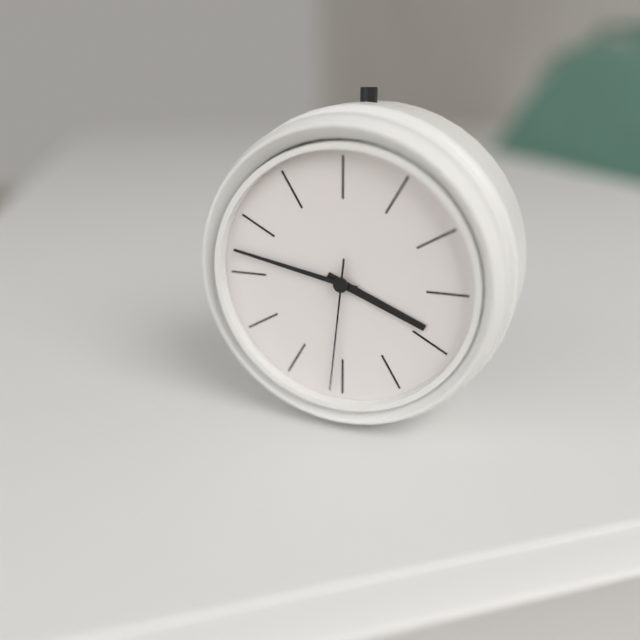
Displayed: 3 h 47 min 31 s
